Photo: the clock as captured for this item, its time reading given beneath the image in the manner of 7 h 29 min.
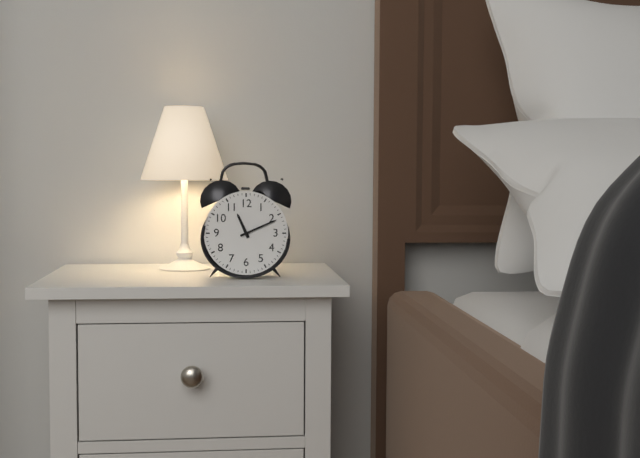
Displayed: 11 h 11 min
